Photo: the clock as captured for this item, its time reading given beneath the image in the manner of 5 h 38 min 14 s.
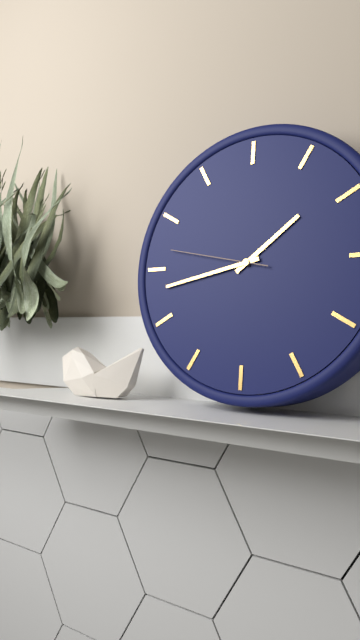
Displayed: 1 h 43 min 47 s
